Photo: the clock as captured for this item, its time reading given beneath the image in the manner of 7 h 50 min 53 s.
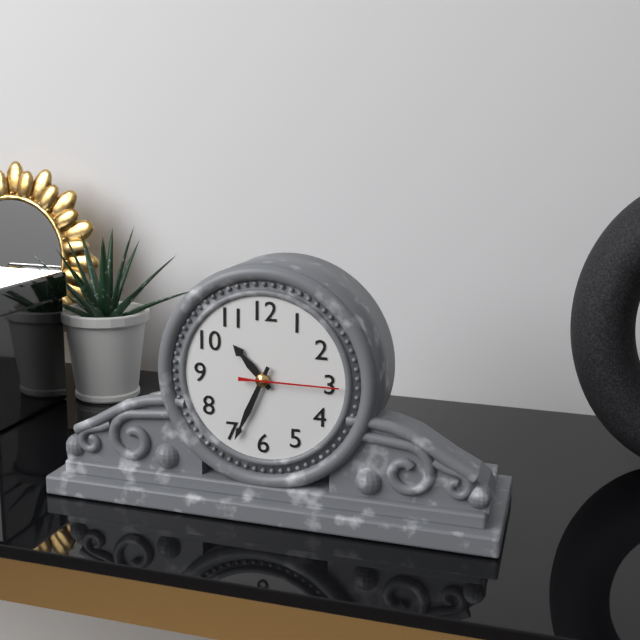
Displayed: 10 h 34 min 15 s
